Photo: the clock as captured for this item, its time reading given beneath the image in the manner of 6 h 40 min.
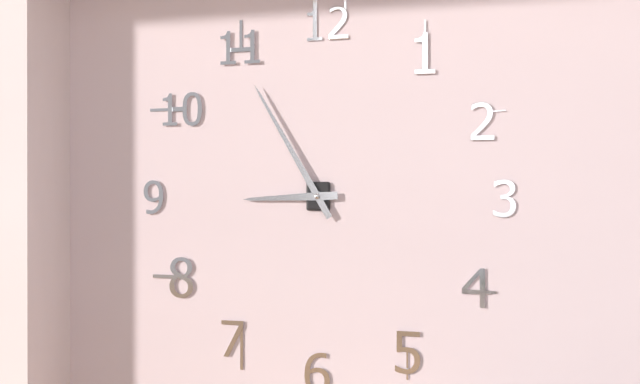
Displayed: 8 h 55 min
